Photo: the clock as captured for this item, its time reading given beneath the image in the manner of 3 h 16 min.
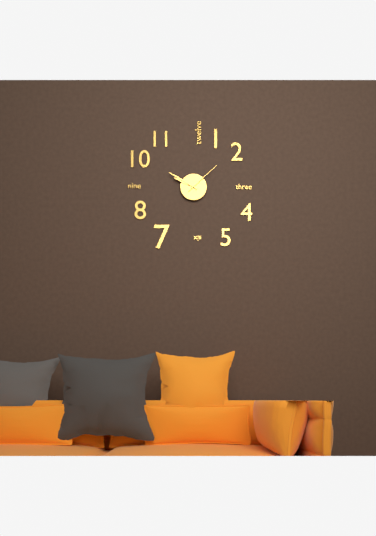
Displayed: 9 h 50 min
